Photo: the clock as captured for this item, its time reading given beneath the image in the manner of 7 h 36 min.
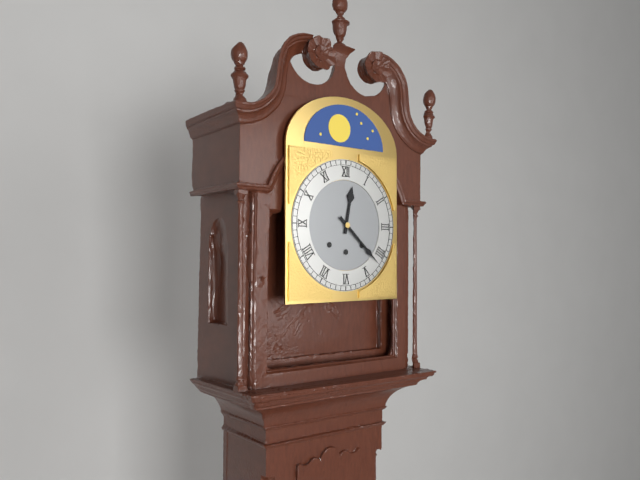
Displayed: 12 h 22 min
